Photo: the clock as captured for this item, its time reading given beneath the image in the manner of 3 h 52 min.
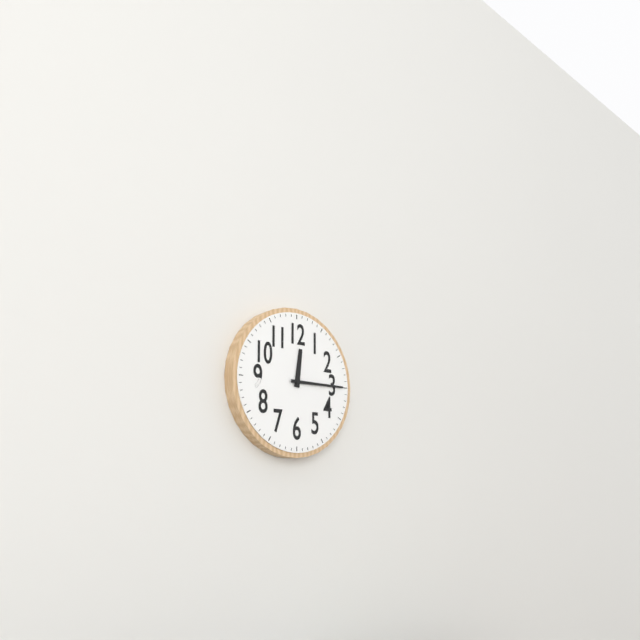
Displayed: 12 h 15 min
